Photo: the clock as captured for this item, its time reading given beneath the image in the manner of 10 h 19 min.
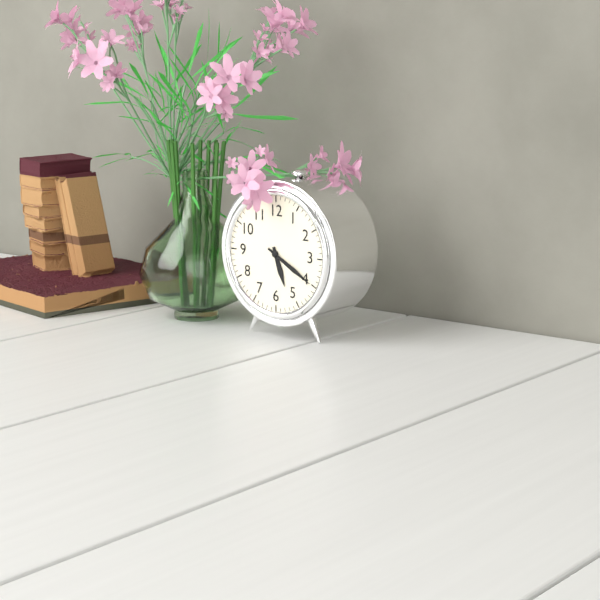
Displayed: 5 h 20 min
